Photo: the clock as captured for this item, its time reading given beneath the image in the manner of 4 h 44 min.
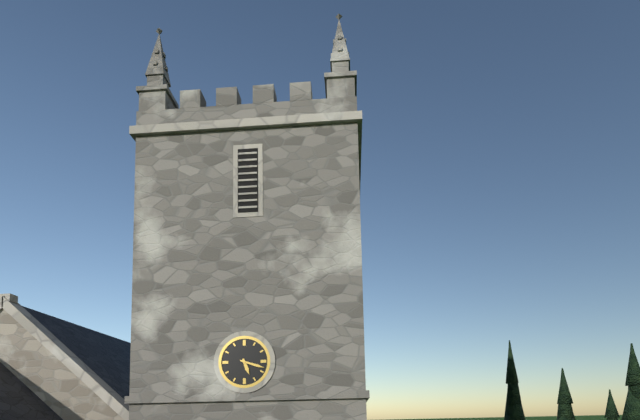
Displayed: 5 h 18 min
